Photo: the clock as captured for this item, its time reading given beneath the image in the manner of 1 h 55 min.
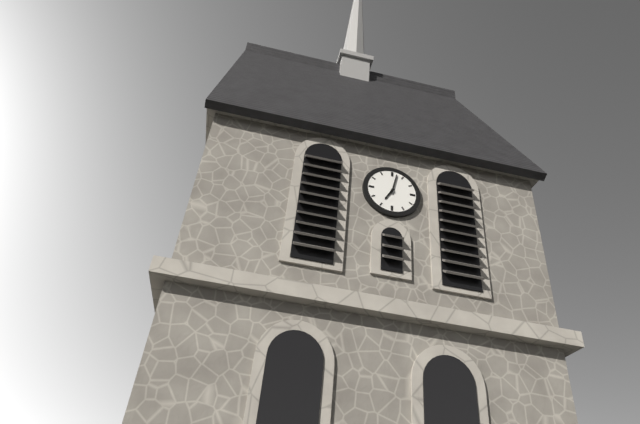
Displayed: 7 h 02 min
